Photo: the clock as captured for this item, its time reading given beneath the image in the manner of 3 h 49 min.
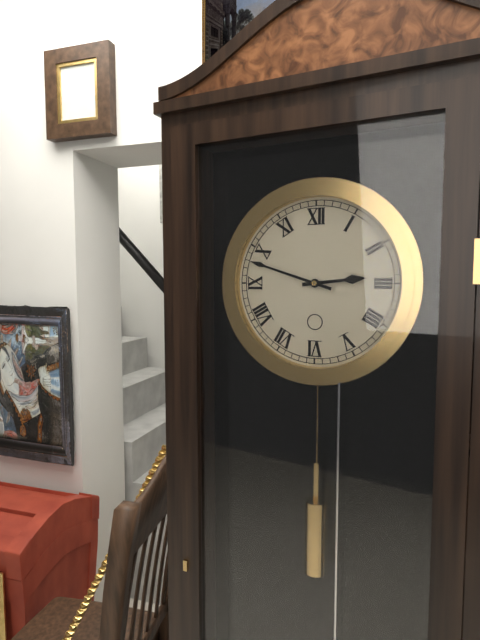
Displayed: 2 h 48 min
